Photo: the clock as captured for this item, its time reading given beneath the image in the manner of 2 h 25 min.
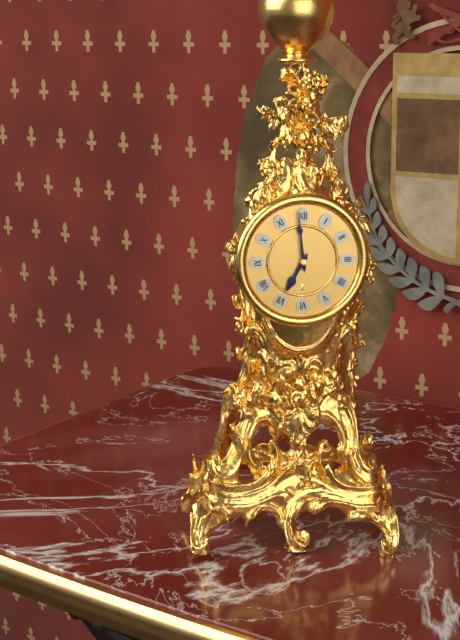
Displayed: 6 h 59 min
